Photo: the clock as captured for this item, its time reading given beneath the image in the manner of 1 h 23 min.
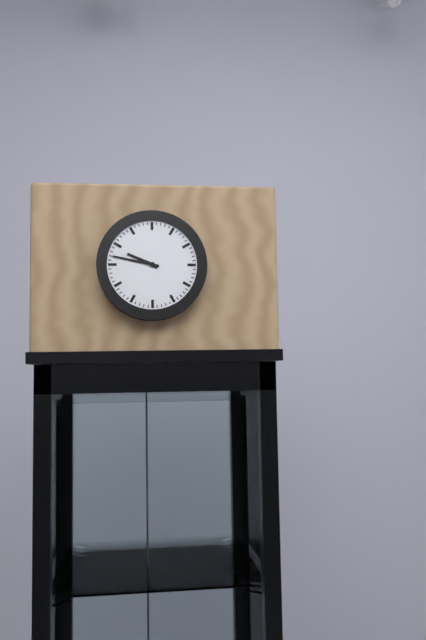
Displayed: 9 h 47 min
